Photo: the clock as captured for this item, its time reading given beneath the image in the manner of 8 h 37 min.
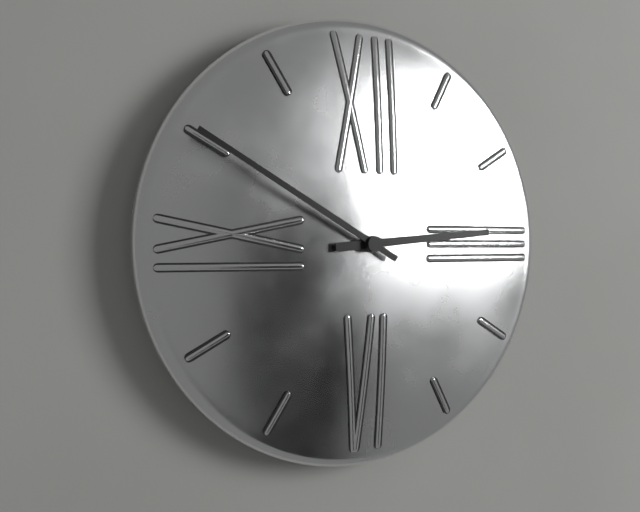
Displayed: 2 h 50 min
